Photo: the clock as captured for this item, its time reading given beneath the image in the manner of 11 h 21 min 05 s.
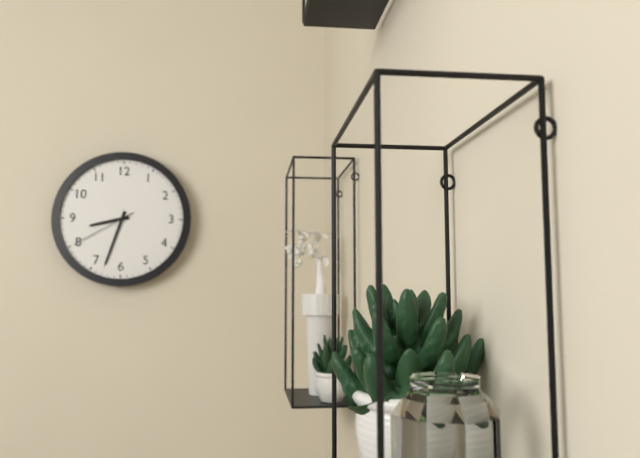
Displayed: 8 h 33 min 40 s
